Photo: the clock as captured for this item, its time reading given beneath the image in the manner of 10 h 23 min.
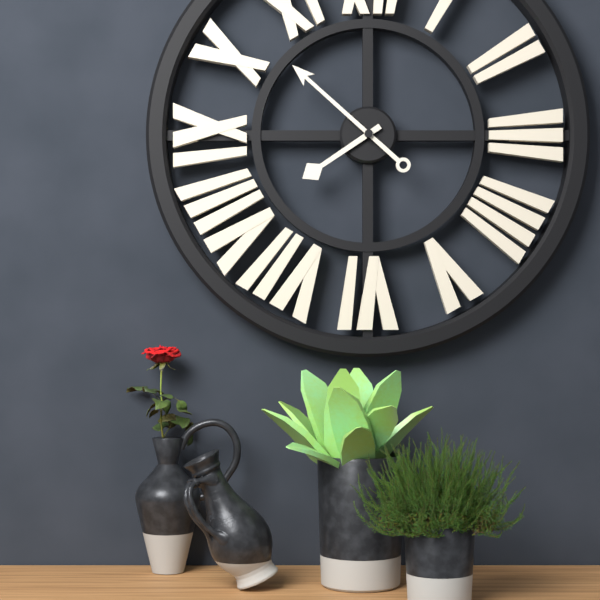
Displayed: 7 h 52 min
